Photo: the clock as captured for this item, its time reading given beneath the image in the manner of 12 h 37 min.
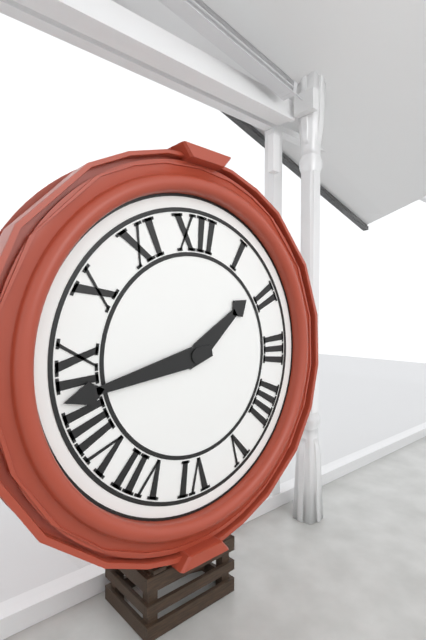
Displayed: 1 h 43 min
